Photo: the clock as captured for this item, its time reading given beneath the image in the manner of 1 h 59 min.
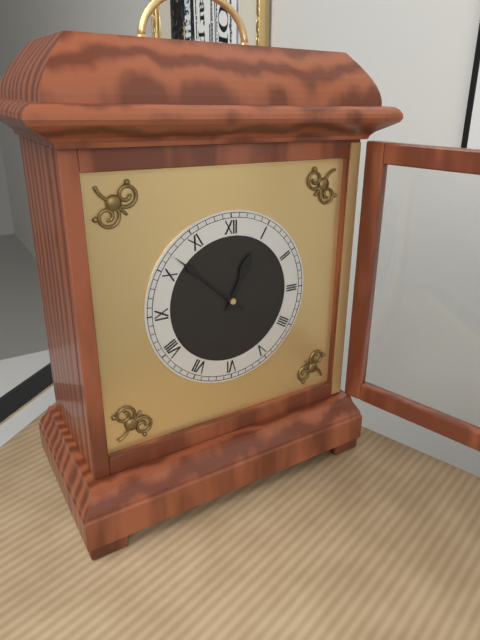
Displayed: 12 h 52 min
